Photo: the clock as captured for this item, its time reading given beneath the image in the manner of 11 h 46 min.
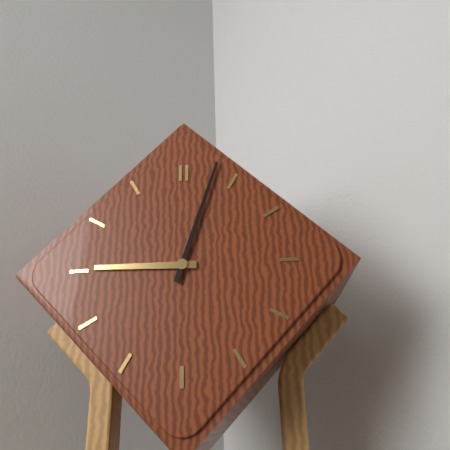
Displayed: 9 h 03 min
